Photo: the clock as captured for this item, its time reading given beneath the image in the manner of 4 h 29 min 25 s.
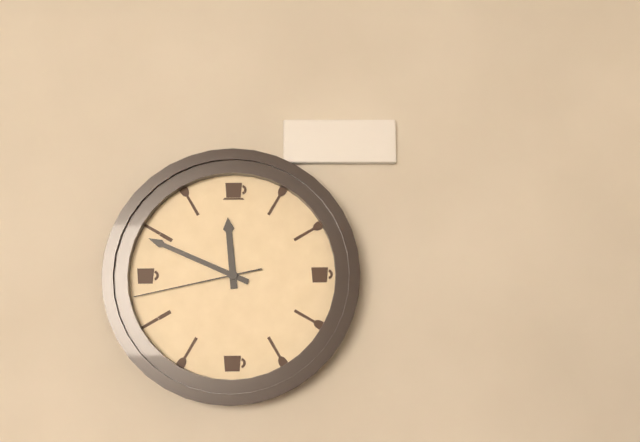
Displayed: 11 h 49 min 43 s
